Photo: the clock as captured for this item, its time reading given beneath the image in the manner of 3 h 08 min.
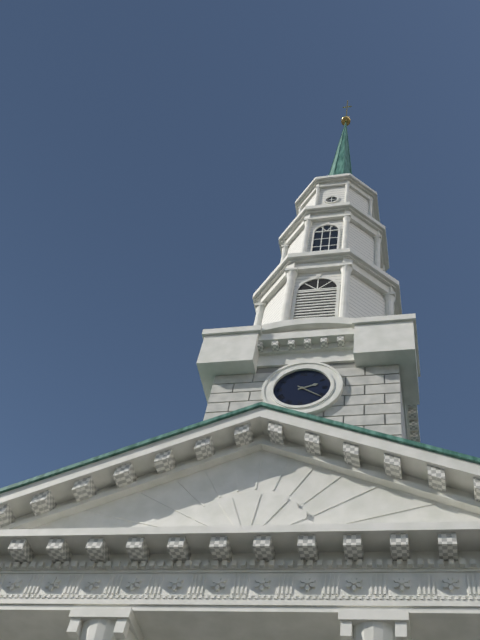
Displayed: 2 h 21 min
